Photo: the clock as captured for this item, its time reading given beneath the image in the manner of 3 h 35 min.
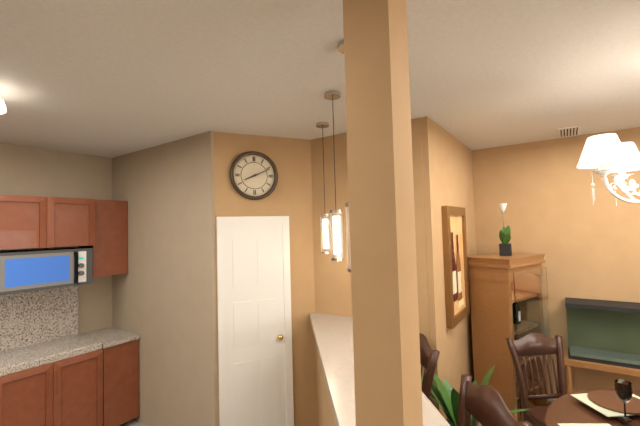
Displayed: 8 h 11 min
